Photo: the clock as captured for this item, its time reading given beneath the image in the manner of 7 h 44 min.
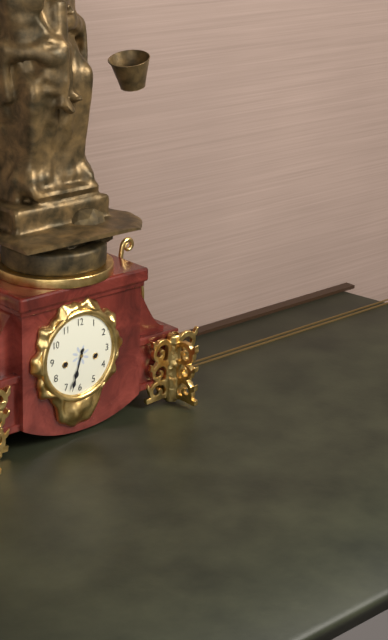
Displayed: 6 h 33 min
